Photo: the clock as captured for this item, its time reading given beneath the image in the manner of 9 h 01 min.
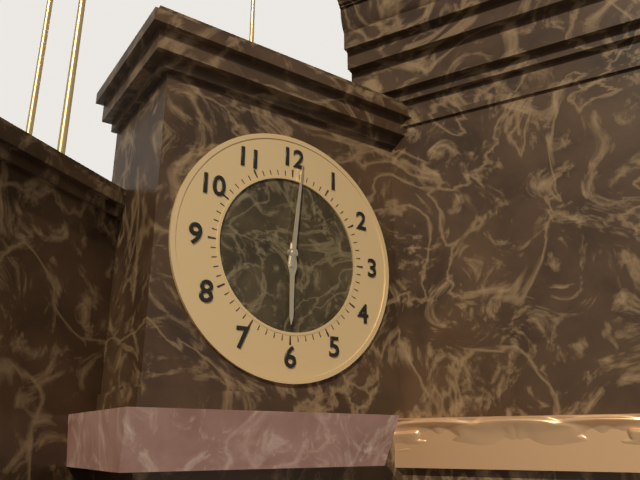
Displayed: 6 h 01 min
